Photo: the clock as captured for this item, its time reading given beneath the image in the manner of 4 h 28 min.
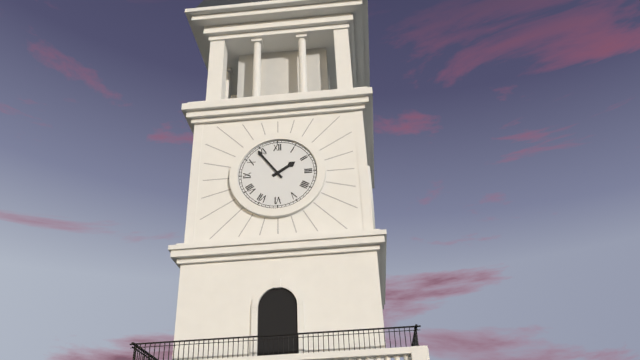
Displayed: 1 h 54 min
